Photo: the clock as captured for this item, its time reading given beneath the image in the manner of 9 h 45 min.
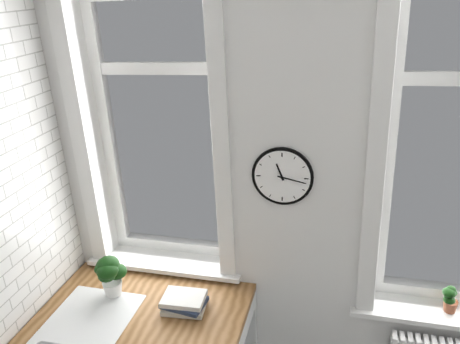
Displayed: 11 h 17 min
